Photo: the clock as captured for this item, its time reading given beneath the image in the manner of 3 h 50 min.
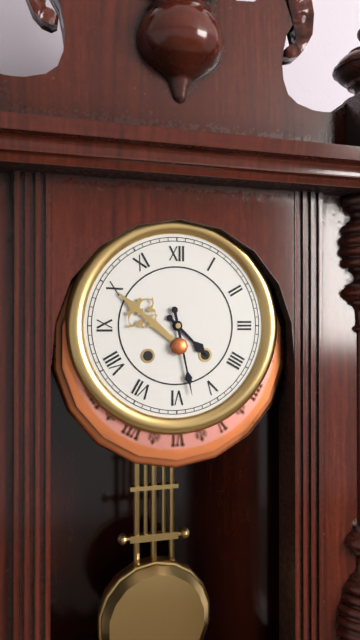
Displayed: 4 h 28 min
